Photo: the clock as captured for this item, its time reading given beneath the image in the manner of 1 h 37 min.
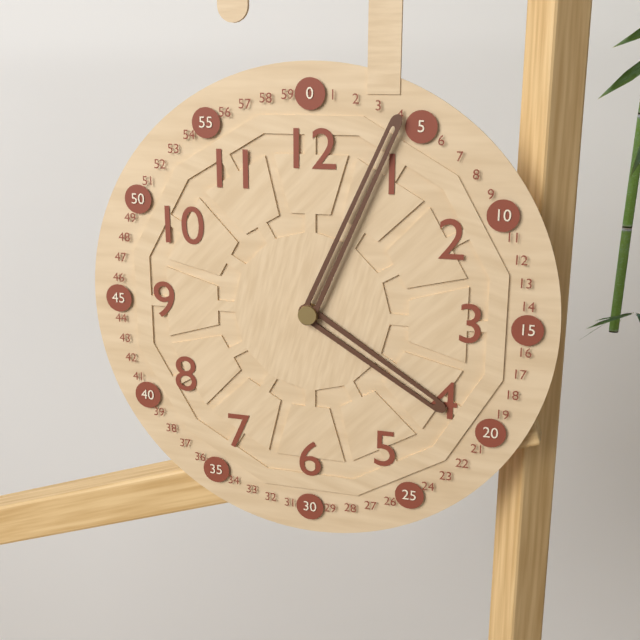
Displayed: 4 h 04 min
